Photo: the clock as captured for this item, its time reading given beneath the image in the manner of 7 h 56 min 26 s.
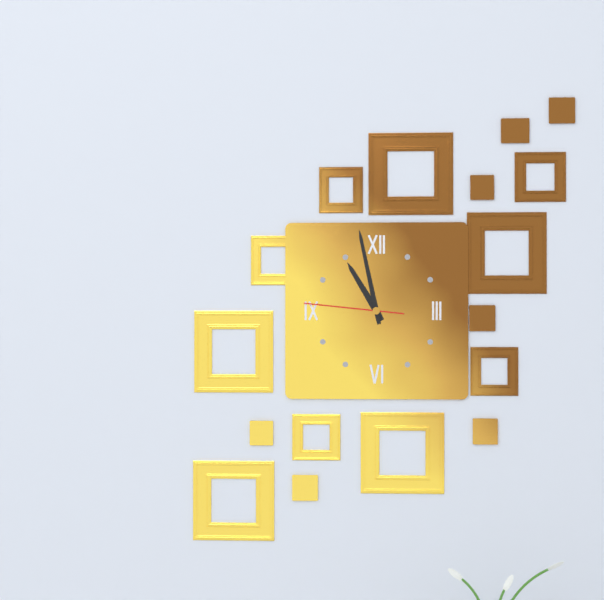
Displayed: 10 h 58 min 46 s
